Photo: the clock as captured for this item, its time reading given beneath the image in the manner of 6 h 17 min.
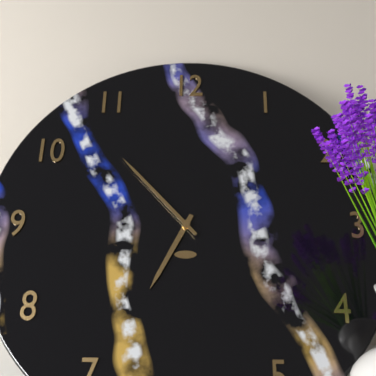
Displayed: 6 h 53 min
